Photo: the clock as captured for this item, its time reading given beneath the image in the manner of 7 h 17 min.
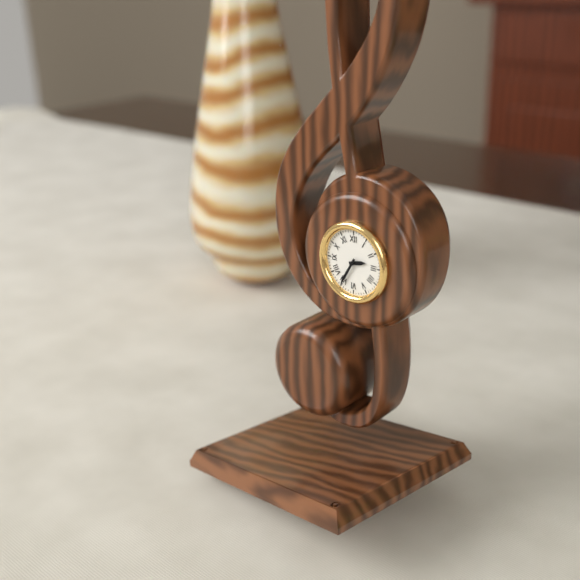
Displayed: 2 h 35 min
